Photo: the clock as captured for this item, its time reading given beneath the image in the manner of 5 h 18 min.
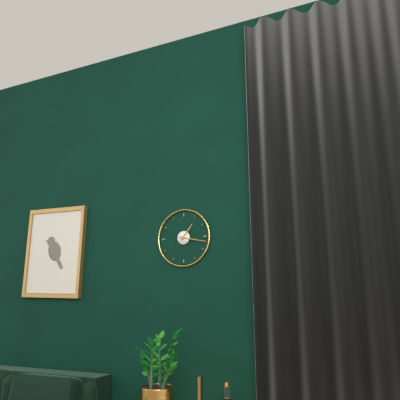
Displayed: 1 h 17 min
